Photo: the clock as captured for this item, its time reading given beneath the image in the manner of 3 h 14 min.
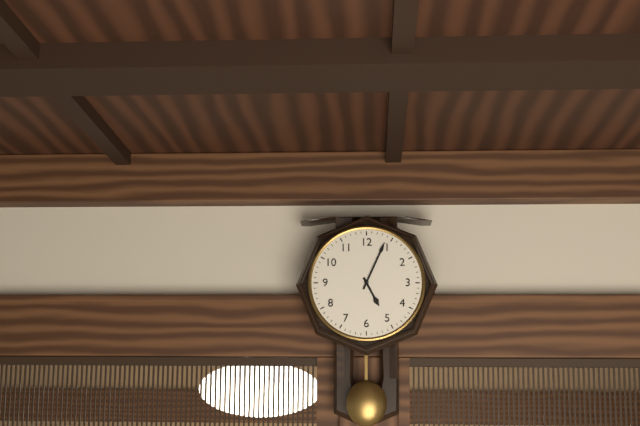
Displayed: 5 h 04 min
